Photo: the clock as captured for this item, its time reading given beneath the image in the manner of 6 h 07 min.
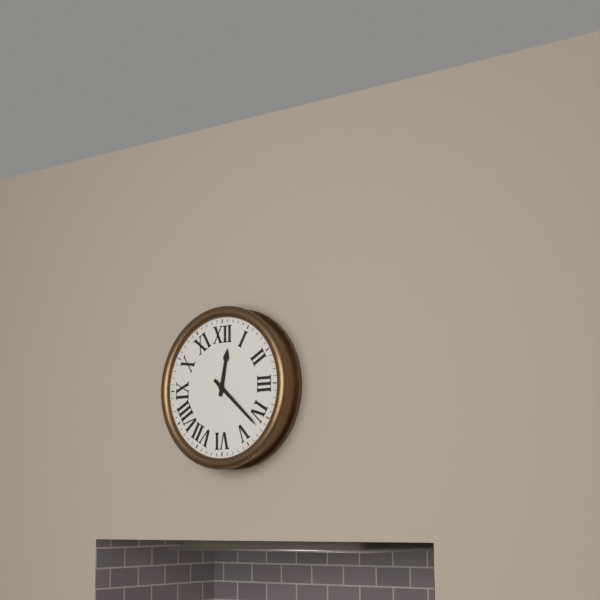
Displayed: 12 h 22 min
